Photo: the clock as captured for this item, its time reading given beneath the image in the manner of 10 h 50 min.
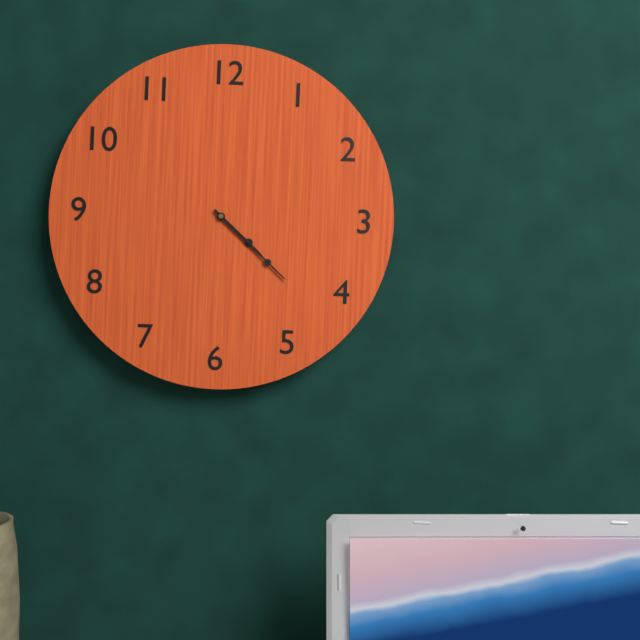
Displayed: 4 h 22 min
